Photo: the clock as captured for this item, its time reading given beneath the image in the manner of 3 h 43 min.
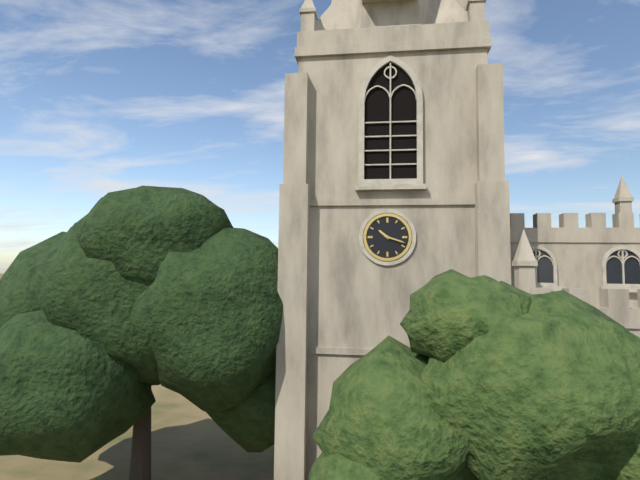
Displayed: 10 h 18 min
